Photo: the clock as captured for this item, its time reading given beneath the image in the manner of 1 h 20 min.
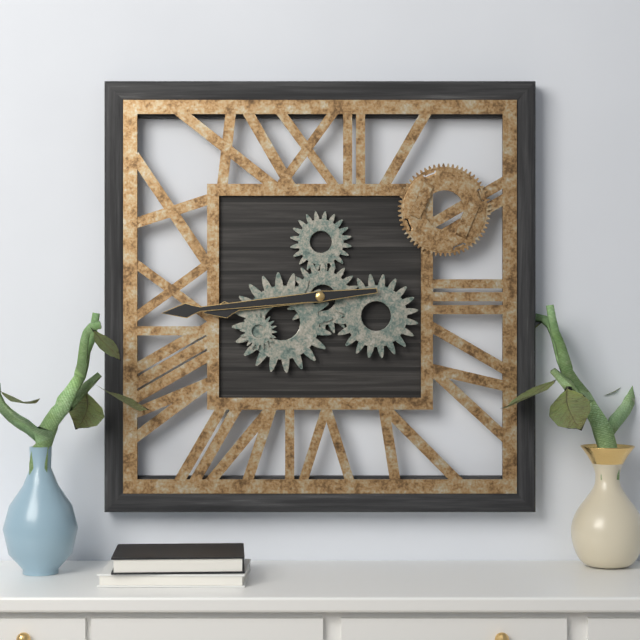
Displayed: 8 h 44 min
